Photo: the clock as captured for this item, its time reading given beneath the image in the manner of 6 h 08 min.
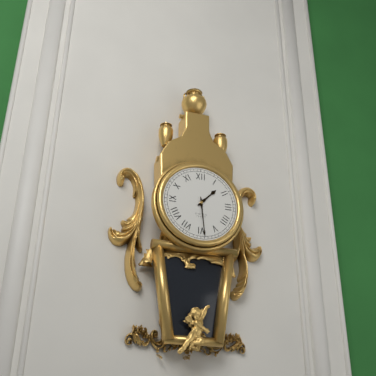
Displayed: 1 h 29 min
